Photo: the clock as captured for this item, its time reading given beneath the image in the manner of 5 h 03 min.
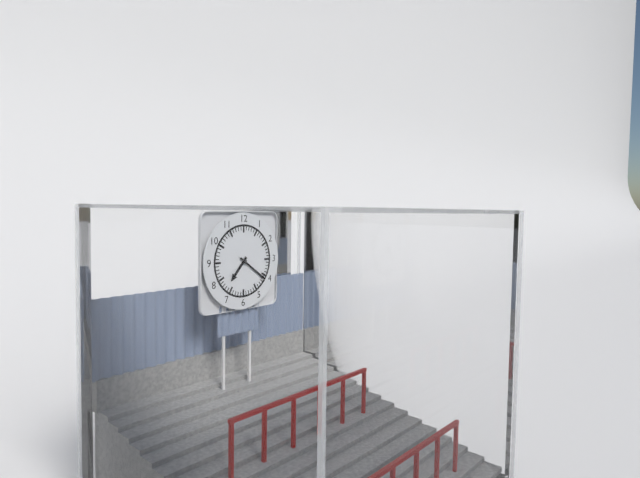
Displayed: 7 h 21 min
